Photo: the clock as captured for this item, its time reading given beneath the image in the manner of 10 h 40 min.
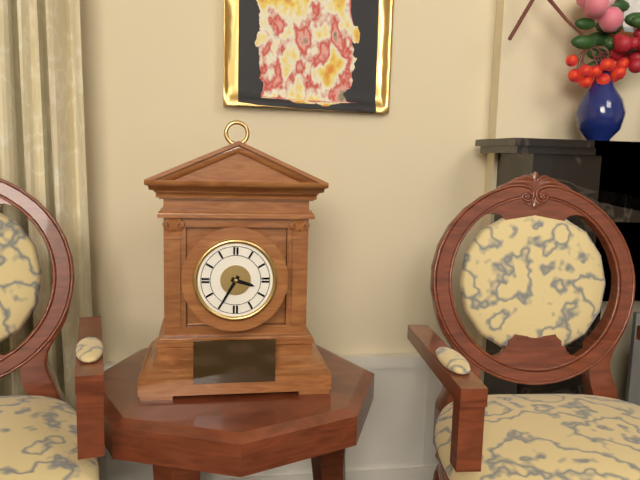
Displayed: 3 h 35 min
